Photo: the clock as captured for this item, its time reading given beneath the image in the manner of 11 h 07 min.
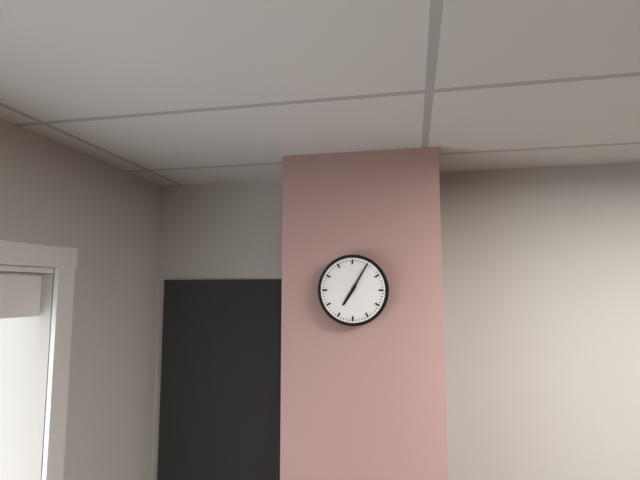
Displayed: 7 h 05 min
